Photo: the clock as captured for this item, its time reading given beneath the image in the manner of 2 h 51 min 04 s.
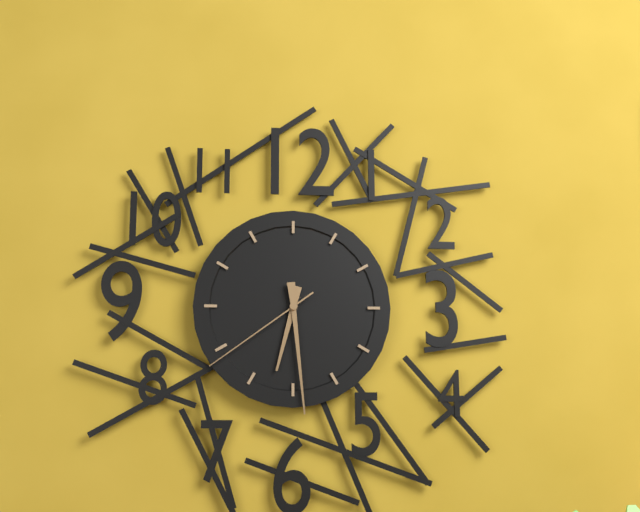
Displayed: 6 h 29 min 39 s
